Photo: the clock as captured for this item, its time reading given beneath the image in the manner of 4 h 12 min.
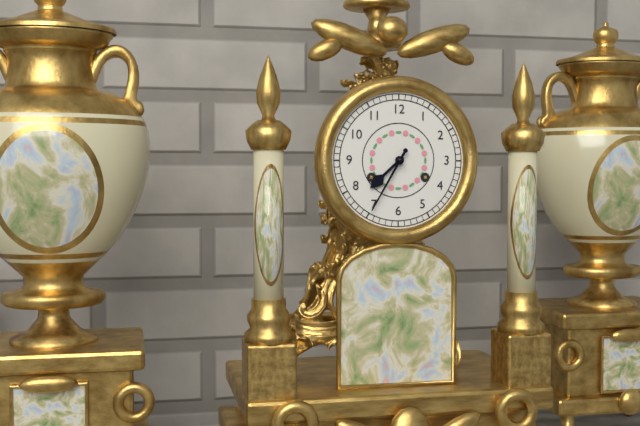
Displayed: 7 h 35 min
